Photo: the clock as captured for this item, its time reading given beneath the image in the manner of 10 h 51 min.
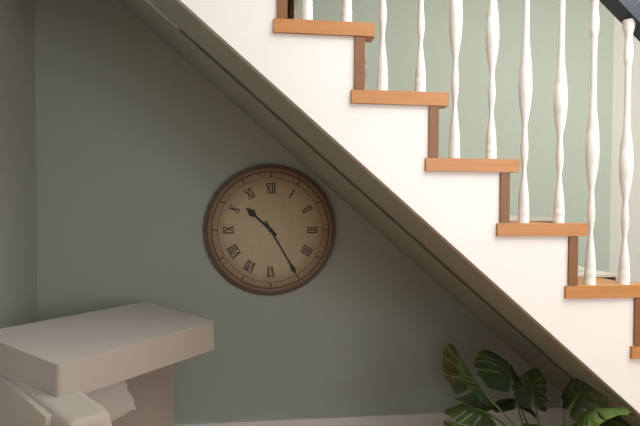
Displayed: 10 h 25 min
